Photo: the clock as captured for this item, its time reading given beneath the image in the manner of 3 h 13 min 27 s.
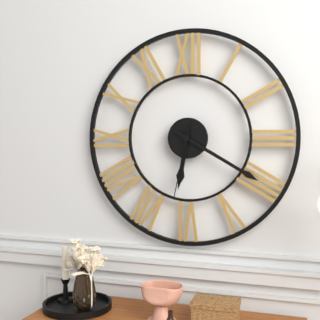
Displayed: 6 h 20 min 32 s
